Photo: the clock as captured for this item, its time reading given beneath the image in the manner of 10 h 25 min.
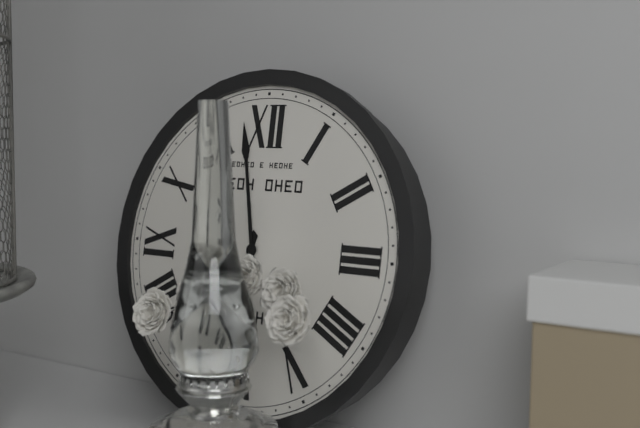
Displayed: 5 h 58 min
